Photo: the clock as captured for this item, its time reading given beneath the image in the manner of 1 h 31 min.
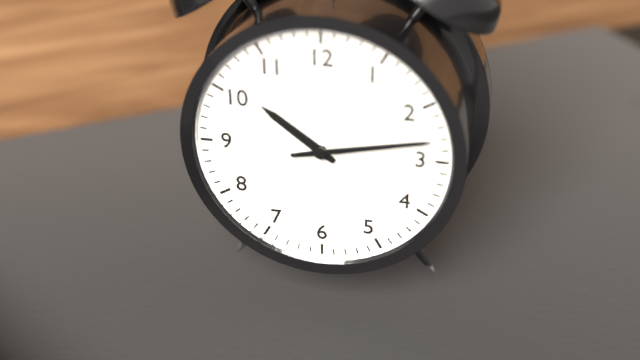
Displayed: 10 h 13 min
